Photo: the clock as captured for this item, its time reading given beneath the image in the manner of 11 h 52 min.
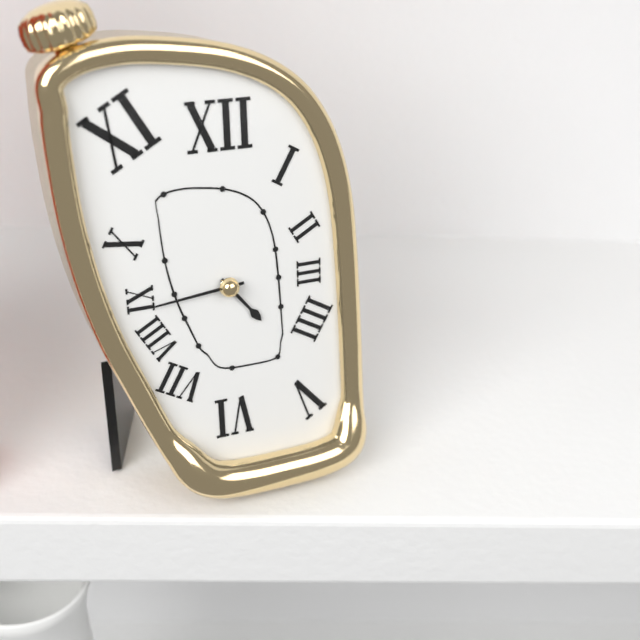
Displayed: 4 h 44 min
